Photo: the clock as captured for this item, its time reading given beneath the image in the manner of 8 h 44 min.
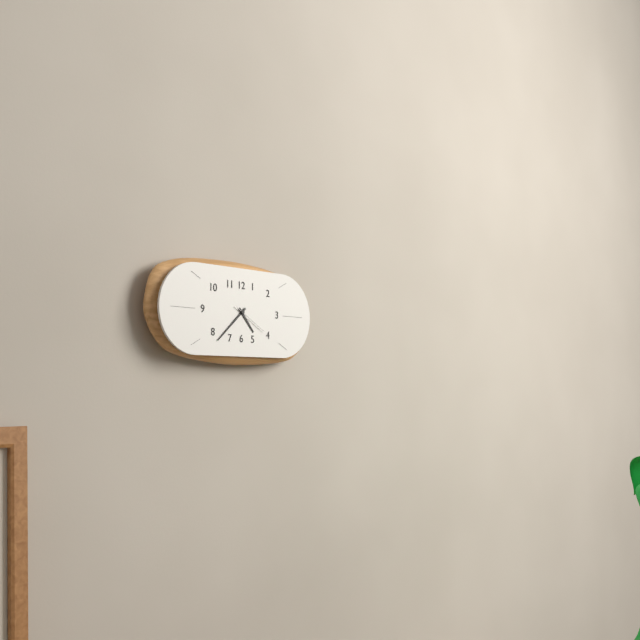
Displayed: 4 h 38 min
